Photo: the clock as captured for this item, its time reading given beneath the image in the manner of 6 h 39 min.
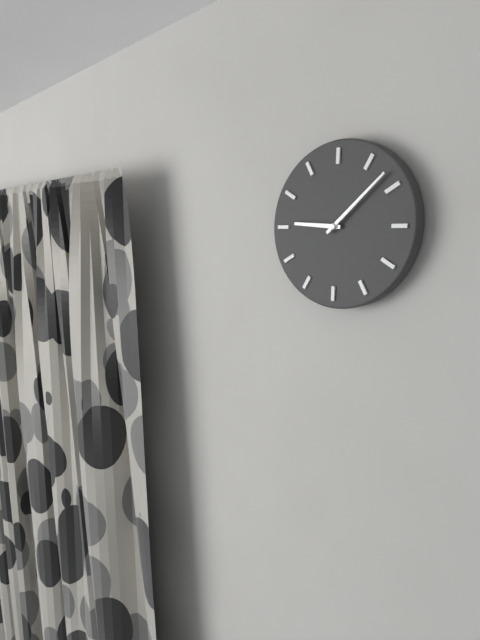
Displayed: 9 h 08 min
